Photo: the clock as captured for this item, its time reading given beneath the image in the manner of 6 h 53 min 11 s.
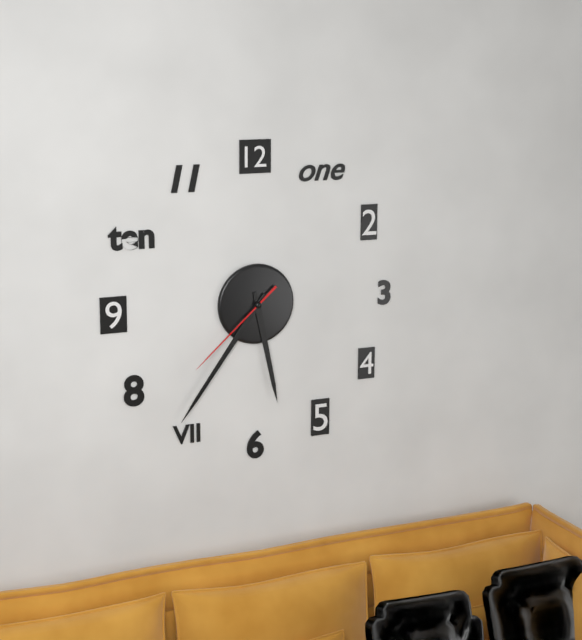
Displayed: 5 h 36 min 38 s
